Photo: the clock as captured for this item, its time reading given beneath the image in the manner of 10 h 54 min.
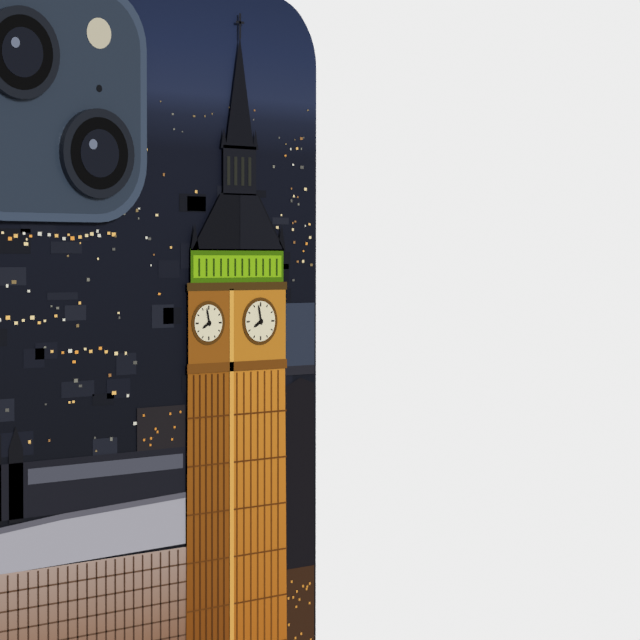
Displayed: 7 h 58 min
